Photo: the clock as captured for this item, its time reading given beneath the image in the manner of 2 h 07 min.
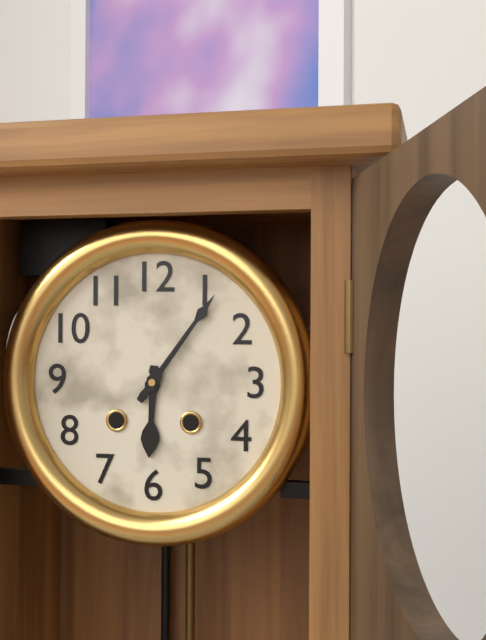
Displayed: 6 h 06 min
